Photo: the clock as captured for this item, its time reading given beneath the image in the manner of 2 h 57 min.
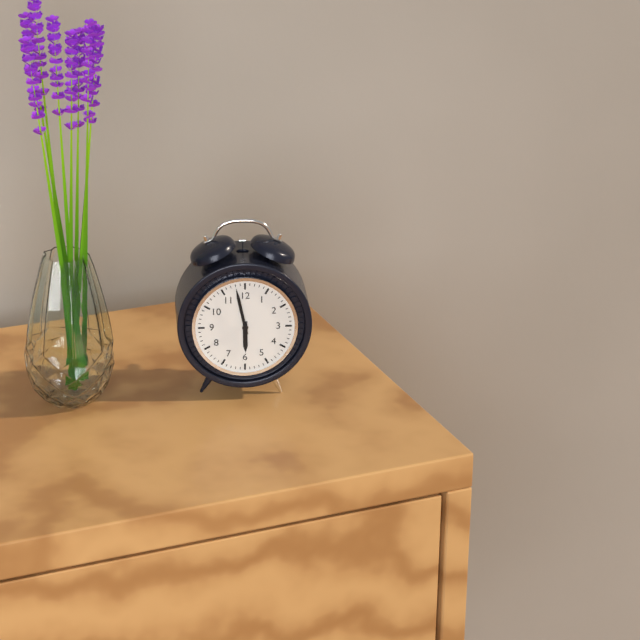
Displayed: 5 h 58 min
